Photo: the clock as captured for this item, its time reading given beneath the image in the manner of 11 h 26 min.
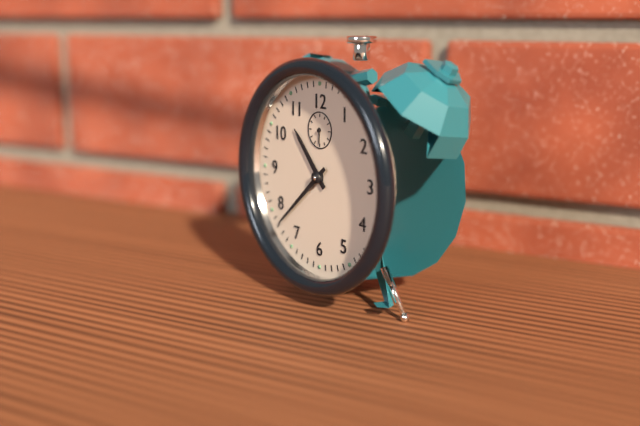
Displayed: 10 h 38 min
